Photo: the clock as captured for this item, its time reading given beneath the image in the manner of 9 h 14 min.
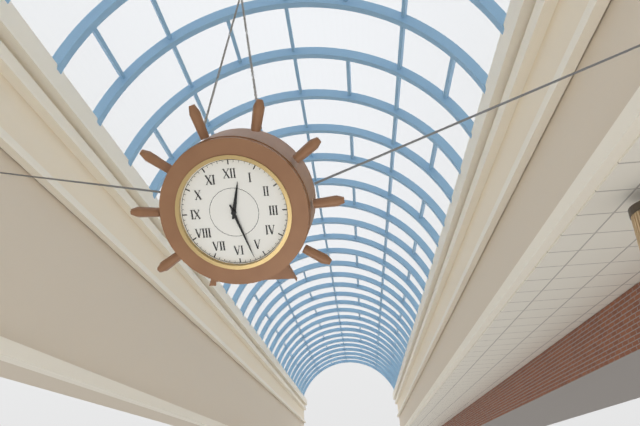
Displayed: 12 h 27 min
